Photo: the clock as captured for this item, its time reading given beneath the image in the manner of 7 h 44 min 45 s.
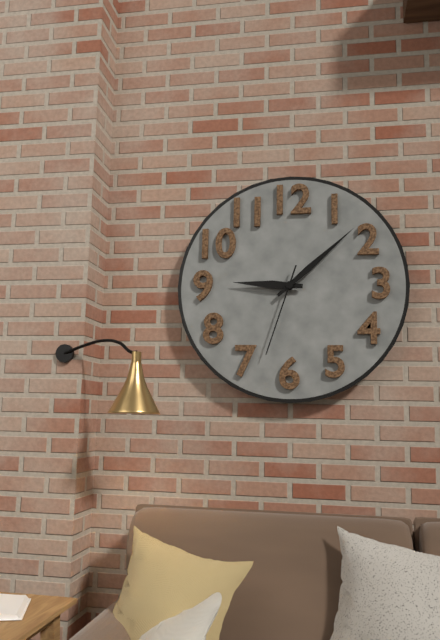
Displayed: 9 h 08 min 33 s
